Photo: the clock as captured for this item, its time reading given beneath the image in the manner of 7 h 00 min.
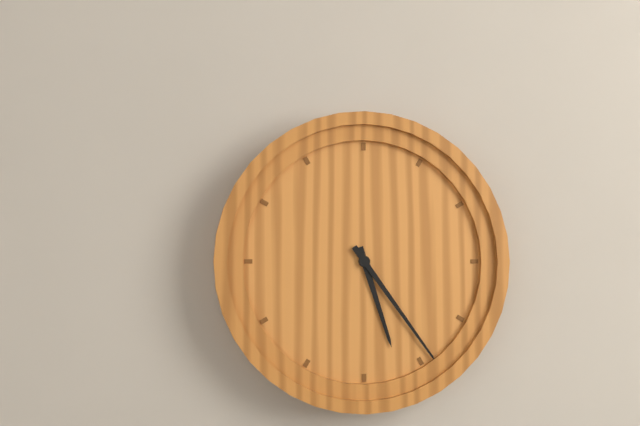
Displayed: 5 h 24 min
